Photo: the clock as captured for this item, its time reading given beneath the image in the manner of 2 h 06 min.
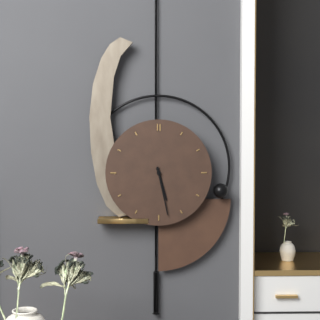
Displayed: 5 h 28 min
